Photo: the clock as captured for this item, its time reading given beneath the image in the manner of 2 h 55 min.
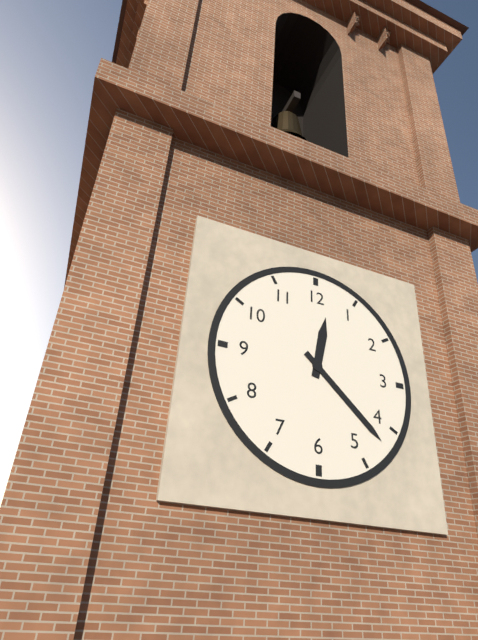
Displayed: 12 h 22 min
